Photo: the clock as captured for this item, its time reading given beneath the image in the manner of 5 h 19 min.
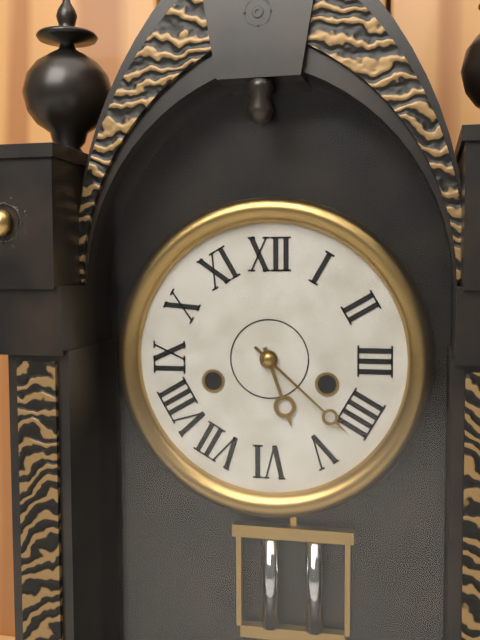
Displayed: 5 h 22 min
